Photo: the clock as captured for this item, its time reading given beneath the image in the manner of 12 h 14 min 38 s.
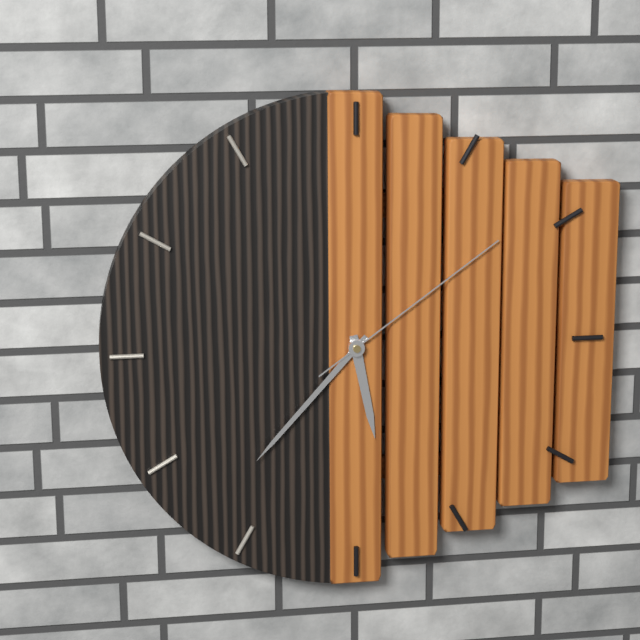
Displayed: 5 h 37 min 09 s
